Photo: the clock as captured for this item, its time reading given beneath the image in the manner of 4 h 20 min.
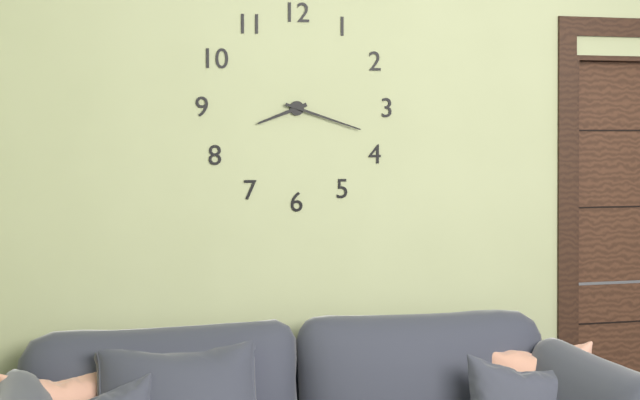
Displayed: 8 h 18 min
